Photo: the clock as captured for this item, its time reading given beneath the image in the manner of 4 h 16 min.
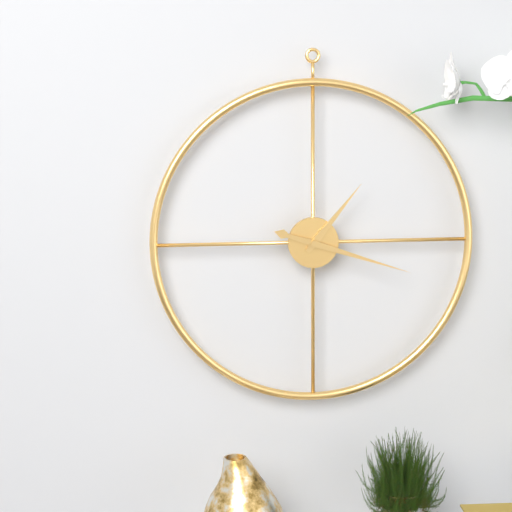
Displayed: 1 h 18 min
